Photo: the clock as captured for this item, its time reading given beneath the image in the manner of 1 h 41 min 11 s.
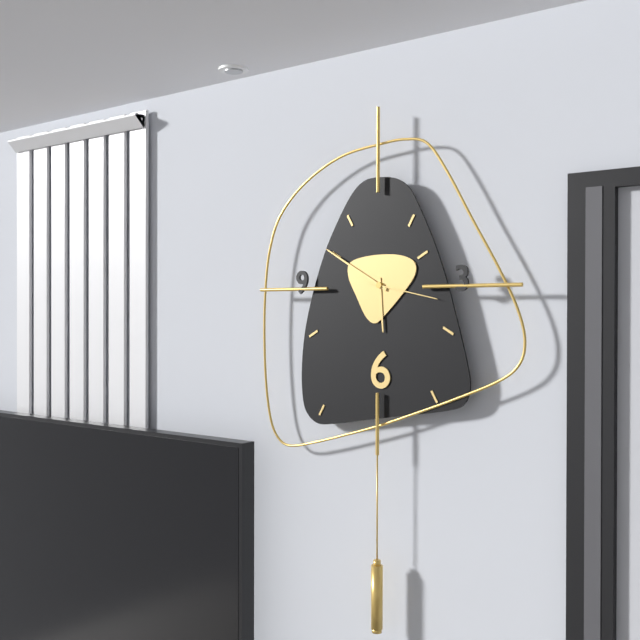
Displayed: 5 h 50 min 17 s
